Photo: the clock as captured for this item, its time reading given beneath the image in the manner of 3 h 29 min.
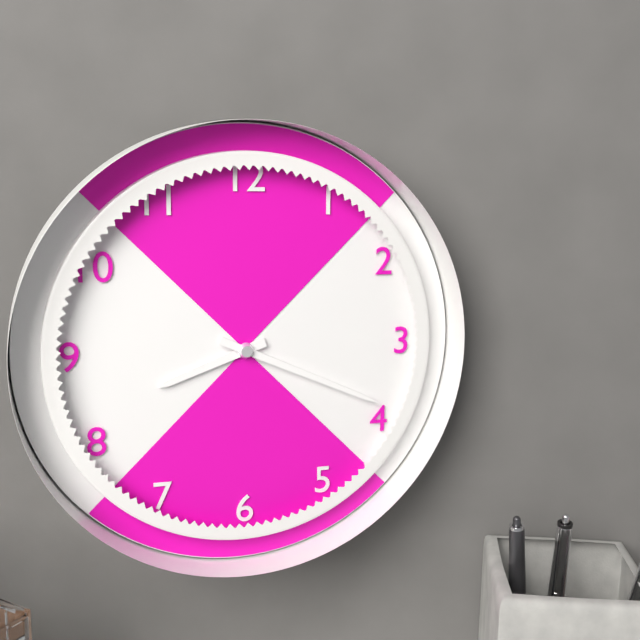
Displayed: 8 h 19 min
